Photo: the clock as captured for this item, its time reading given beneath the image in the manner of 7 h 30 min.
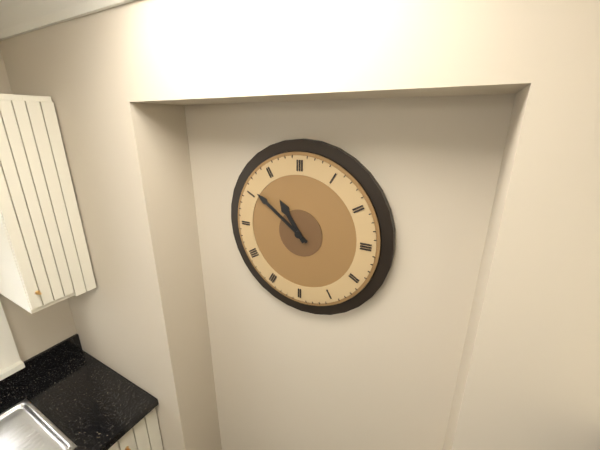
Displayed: 10 h 51 min
